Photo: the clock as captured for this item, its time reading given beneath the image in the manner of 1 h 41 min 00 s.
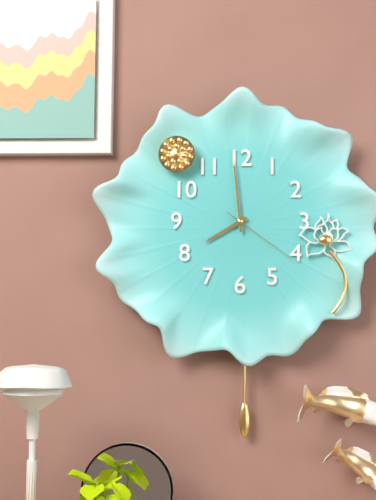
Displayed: 7 h 59 min 21 s
